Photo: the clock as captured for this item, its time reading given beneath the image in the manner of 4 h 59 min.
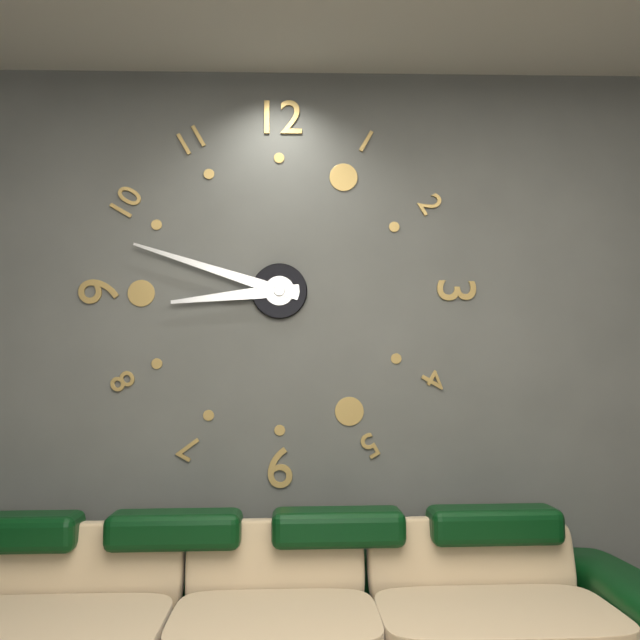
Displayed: 8 h 48 min
